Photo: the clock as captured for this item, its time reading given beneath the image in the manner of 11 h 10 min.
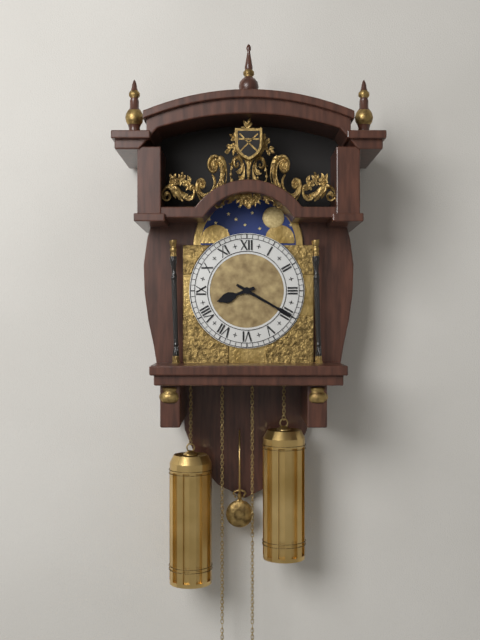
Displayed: 8 h 20 min
